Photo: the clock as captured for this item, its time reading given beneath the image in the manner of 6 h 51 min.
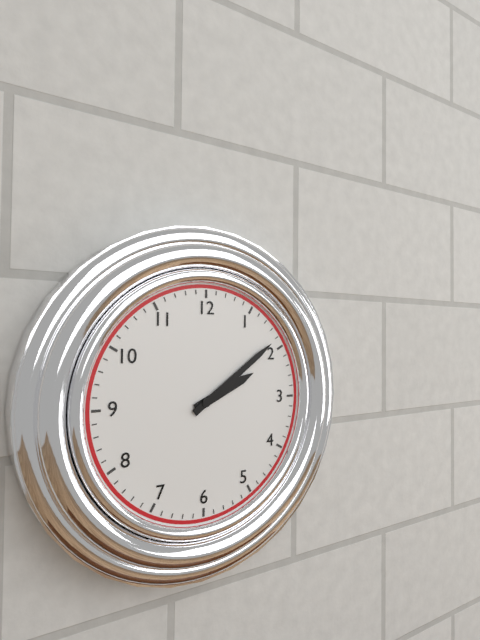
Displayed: 2 h 09 min
